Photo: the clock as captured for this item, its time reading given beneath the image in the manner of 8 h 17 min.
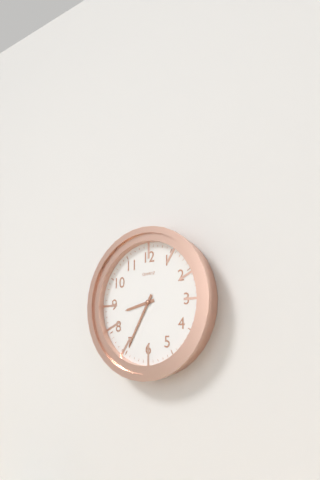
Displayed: 8 h 35 min
